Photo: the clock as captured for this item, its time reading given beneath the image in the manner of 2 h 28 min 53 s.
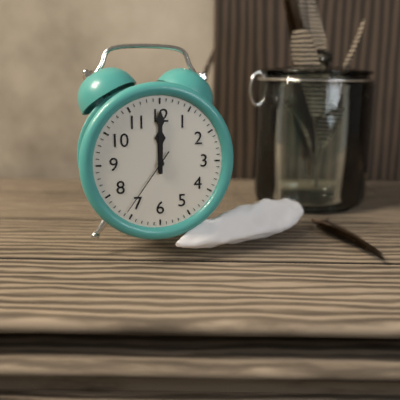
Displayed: 12 h 00 min 36 s
